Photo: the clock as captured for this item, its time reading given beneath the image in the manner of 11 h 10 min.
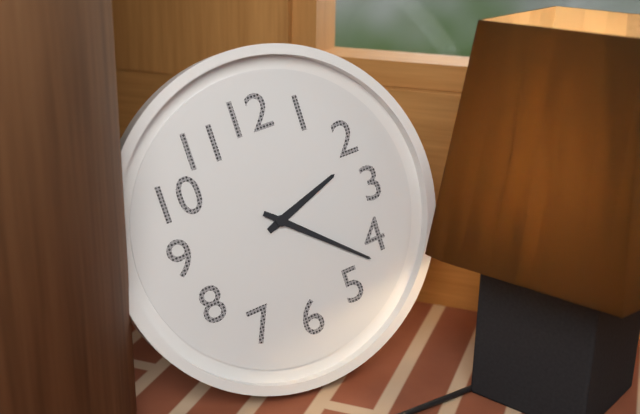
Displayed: 2 h 22 min
